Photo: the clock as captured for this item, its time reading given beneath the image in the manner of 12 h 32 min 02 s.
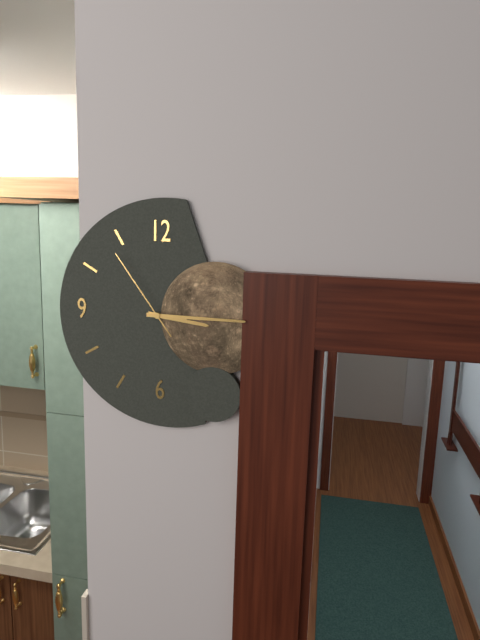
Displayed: 3 h 15 min 54 s
